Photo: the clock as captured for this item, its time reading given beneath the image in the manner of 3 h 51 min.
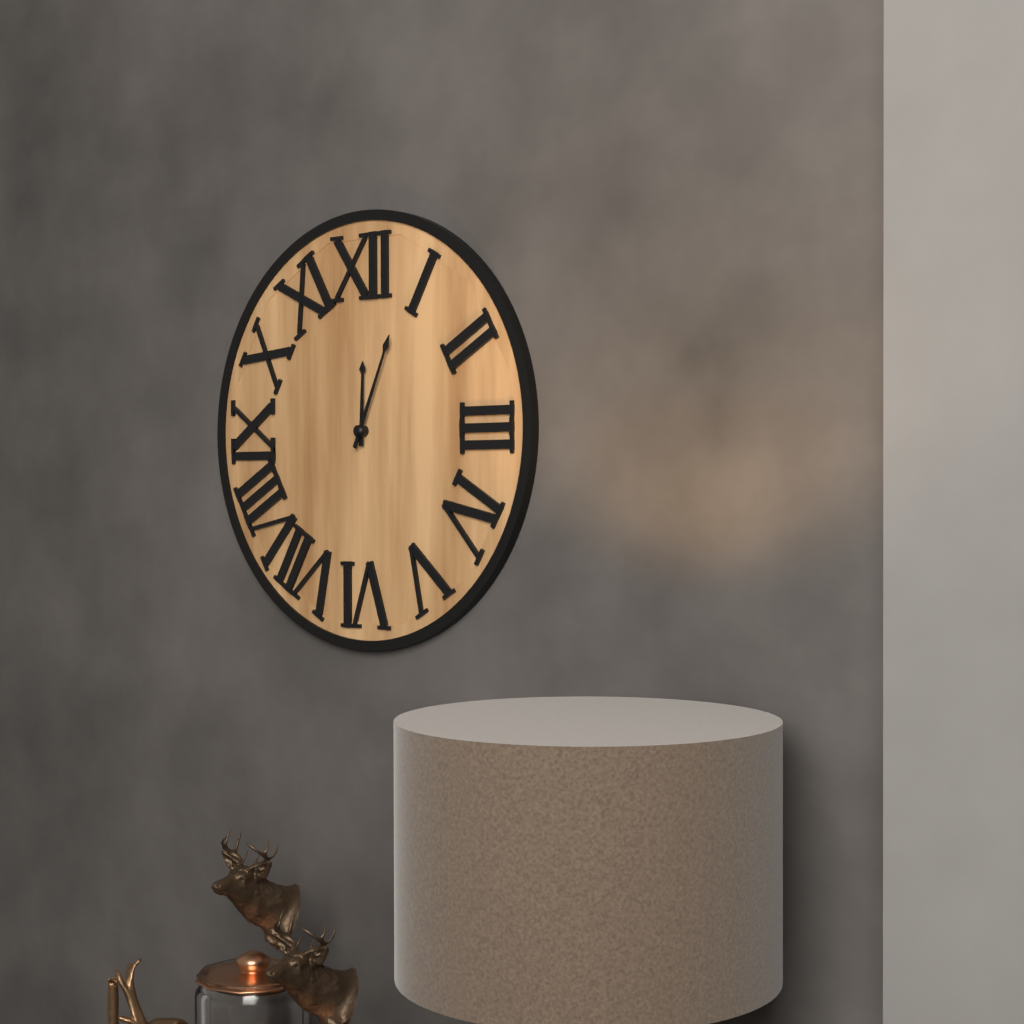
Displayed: 12 h 04 min
